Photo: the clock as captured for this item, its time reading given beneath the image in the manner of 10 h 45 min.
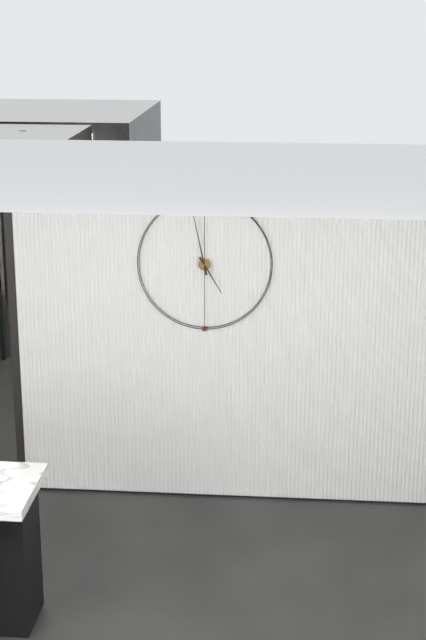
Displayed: 4 h 58 min
